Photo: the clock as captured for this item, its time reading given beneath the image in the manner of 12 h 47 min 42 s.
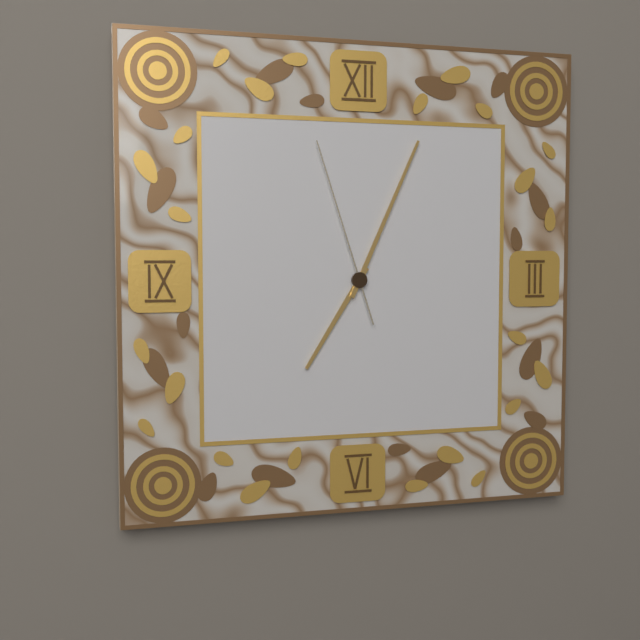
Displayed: 7 h 04 min 57 s
